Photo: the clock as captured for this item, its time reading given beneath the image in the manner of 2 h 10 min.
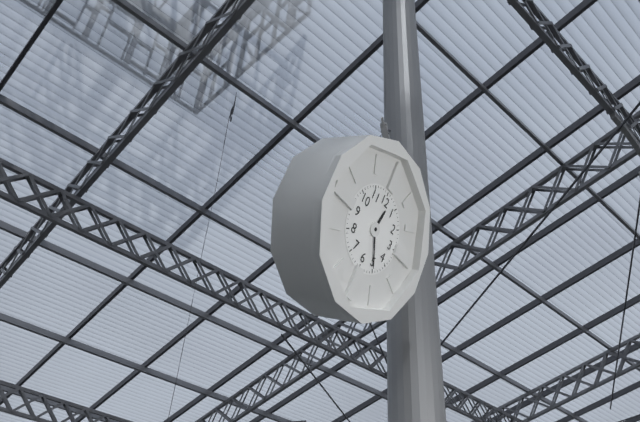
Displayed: 12 h 25 min
